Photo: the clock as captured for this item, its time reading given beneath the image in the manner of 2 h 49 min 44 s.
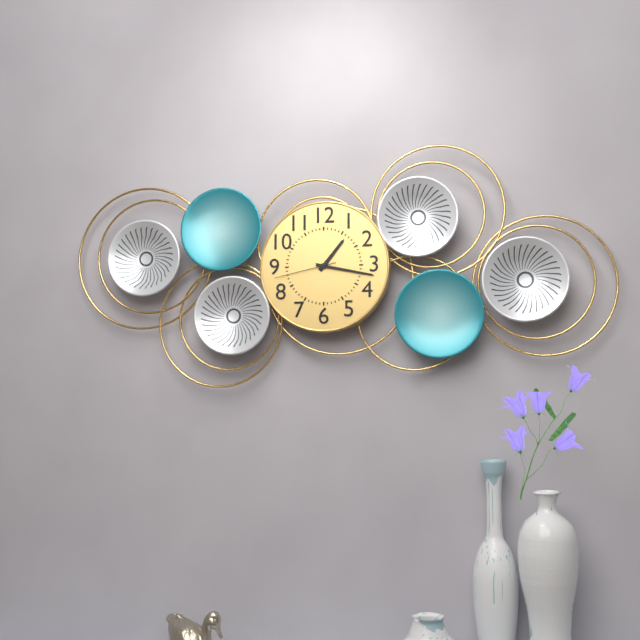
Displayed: 1 h 17 min 43 s
